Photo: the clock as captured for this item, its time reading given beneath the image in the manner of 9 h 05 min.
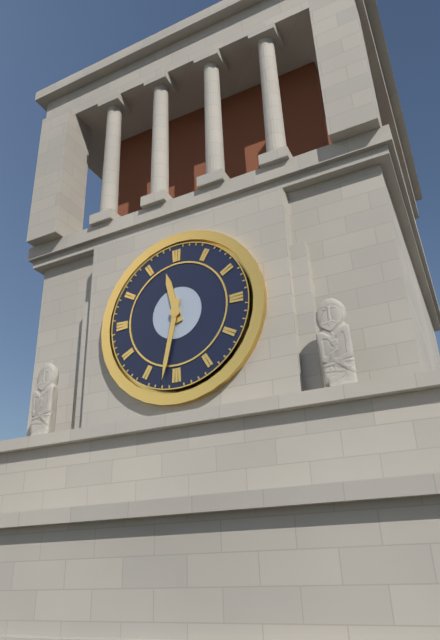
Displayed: 11 h 32 min
